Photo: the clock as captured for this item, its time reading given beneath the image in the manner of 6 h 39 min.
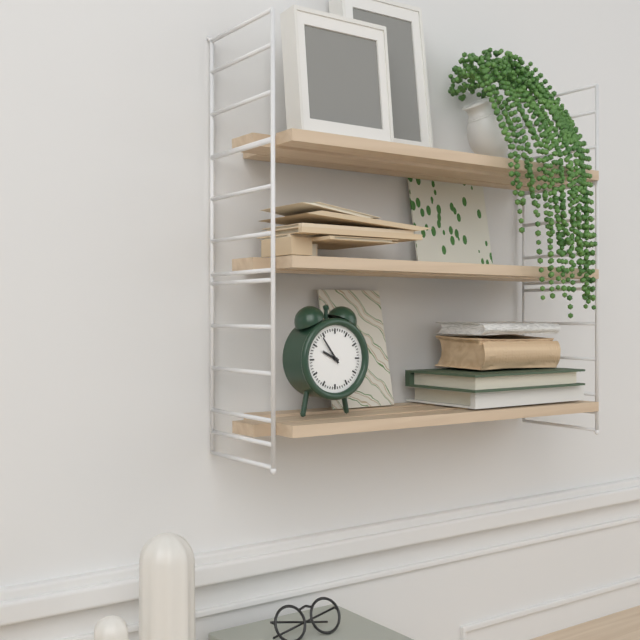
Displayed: 9 h 54 min
